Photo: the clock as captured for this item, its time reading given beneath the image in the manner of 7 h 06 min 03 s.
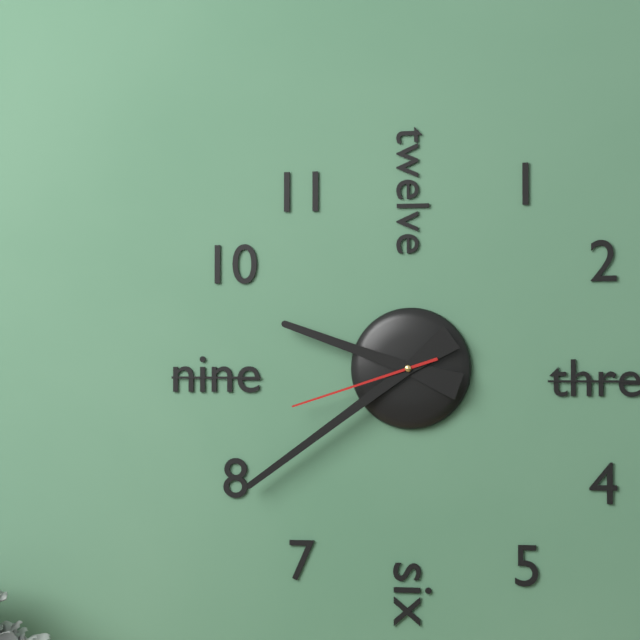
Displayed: 9 h 39 min 42 s
